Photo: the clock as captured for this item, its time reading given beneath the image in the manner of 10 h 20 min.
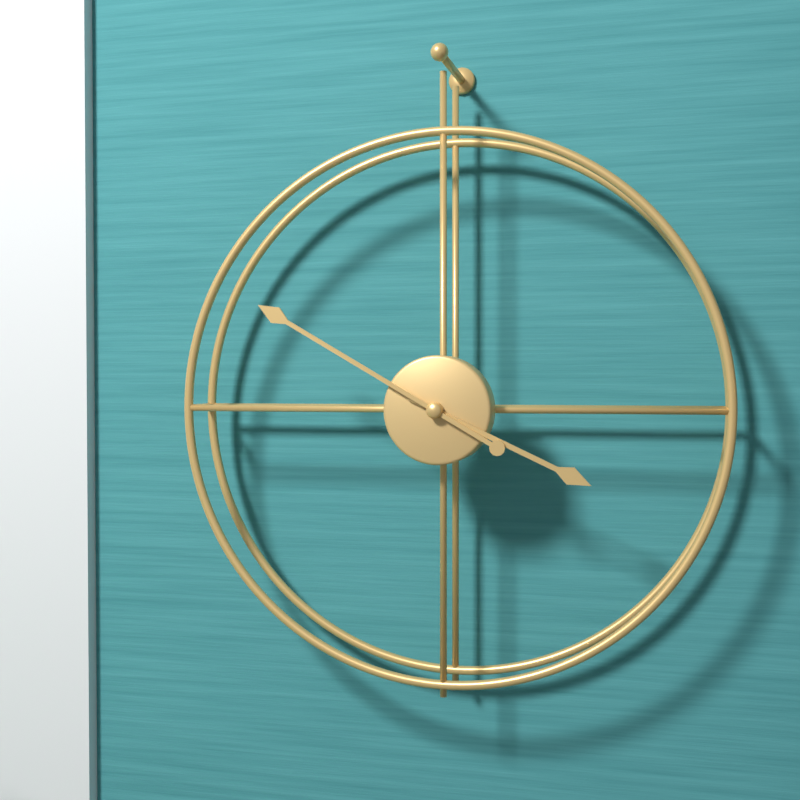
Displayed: 3 h 50 min
